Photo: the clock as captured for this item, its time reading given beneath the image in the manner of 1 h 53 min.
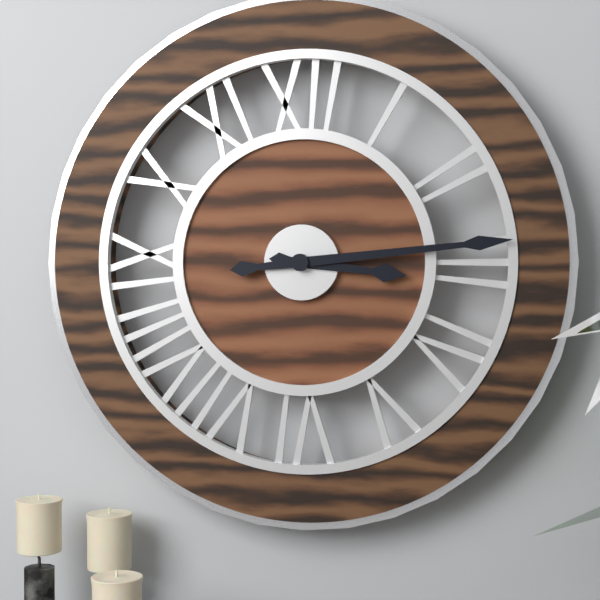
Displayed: 3 h 14 min
